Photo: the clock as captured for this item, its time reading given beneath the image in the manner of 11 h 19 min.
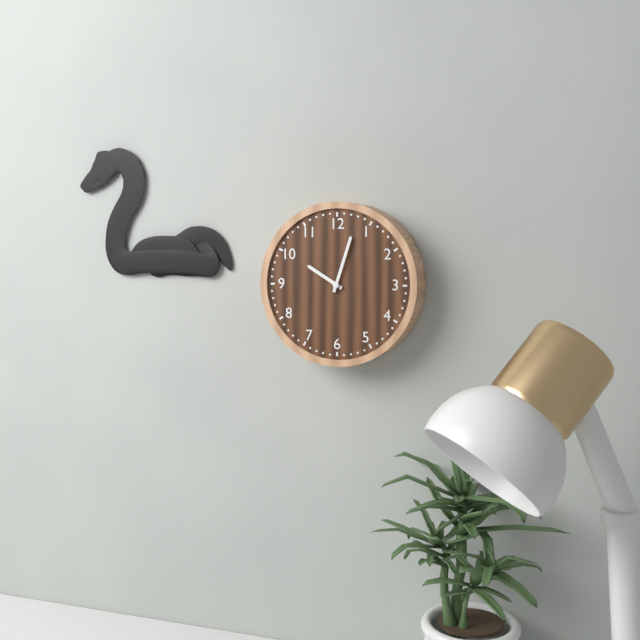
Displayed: 10 h 03 min
